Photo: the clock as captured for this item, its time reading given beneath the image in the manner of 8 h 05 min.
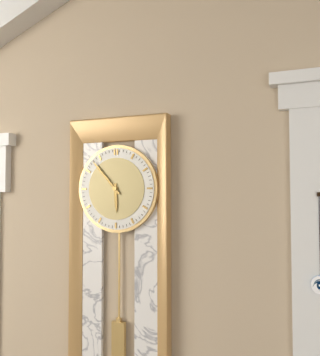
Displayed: 5 h 53 min
